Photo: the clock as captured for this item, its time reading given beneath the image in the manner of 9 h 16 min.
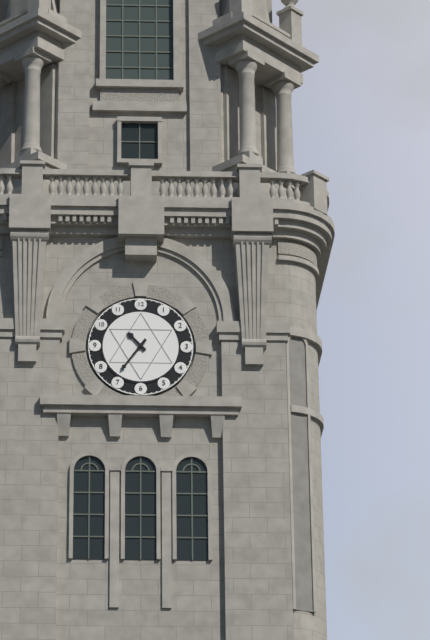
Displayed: 10 h 36 min
